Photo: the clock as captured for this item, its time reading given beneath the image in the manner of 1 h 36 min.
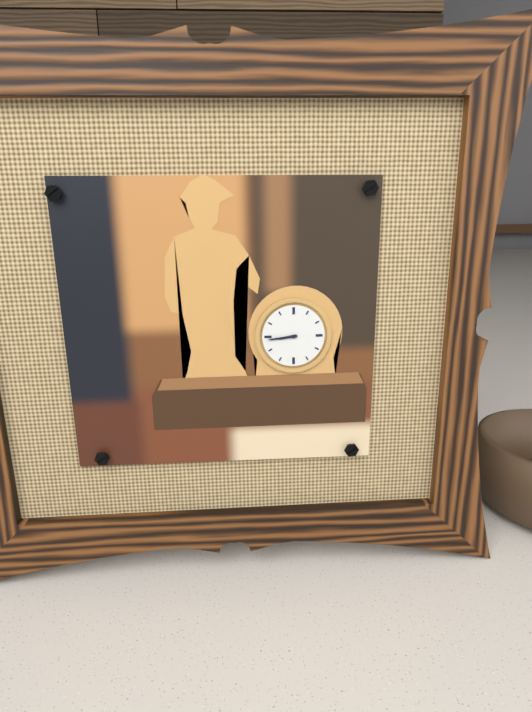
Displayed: 8 h 44 min
